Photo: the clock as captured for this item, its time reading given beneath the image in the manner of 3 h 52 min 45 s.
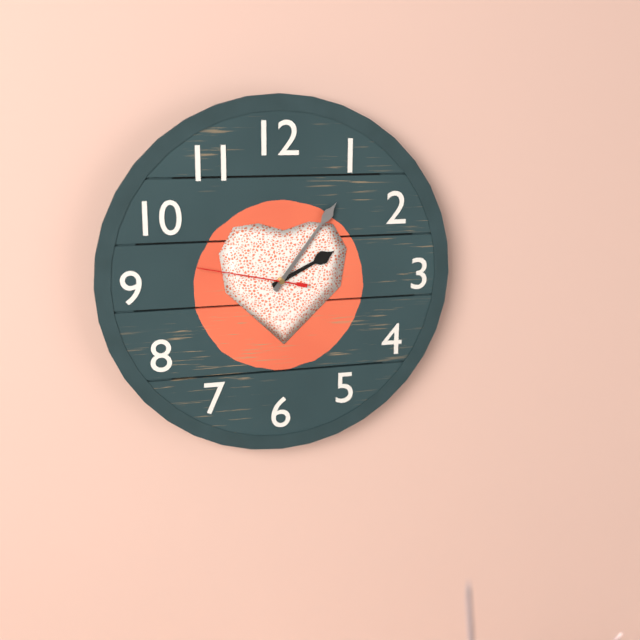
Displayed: 2 h 06 min 47 s
